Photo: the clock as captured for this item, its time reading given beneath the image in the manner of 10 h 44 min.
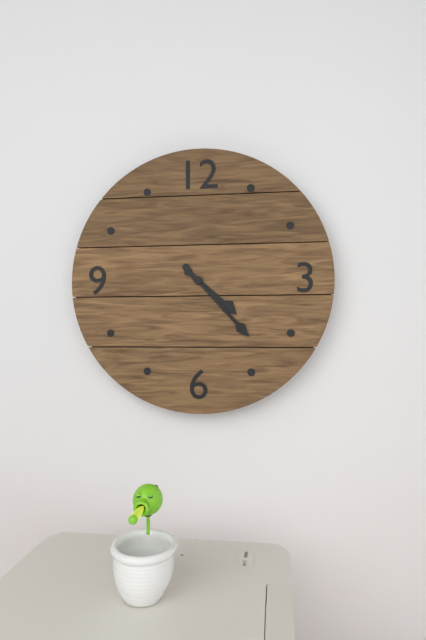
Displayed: 4 h 23 min
